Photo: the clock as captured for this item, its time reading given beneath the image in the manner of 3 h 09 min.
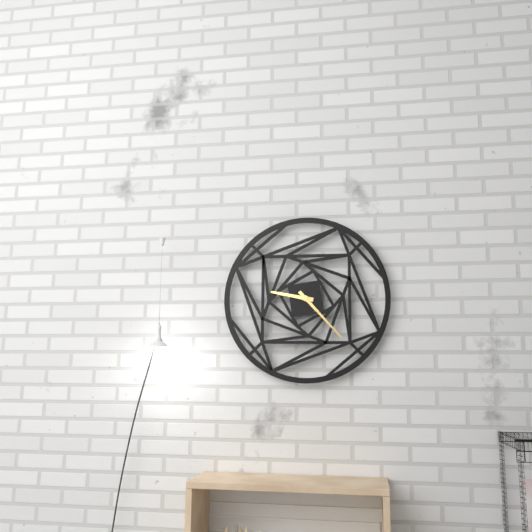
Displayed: 9 h 23 min
